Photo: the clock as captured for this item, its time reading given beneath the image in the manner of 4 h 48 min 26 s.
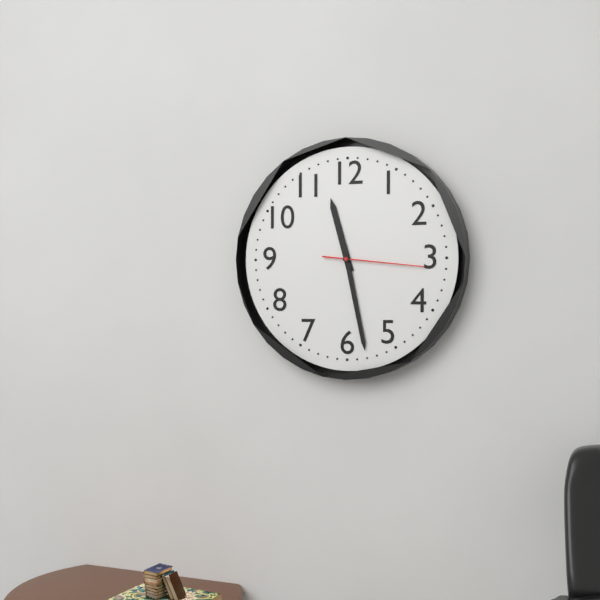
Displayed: 11 h 28 min 16 s
